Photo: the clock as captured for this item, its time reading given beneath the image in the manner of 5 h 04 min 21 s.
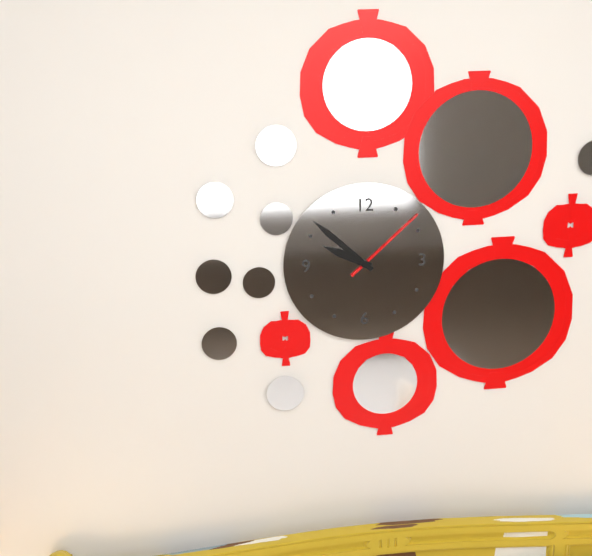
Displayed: 9 h 52 min 08 s
